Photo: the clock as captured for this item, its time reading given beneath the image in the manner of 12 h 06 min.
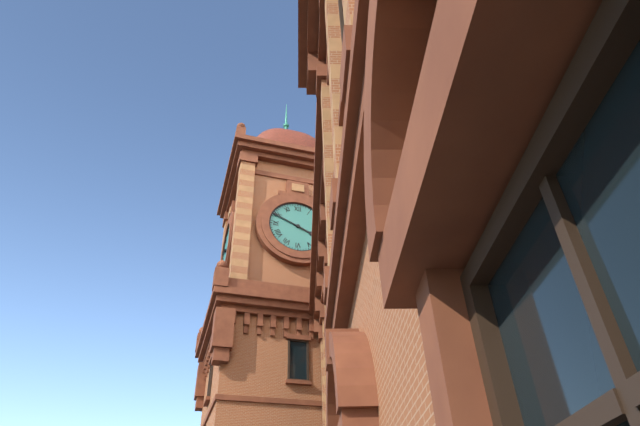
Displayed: 3 h 49 min
